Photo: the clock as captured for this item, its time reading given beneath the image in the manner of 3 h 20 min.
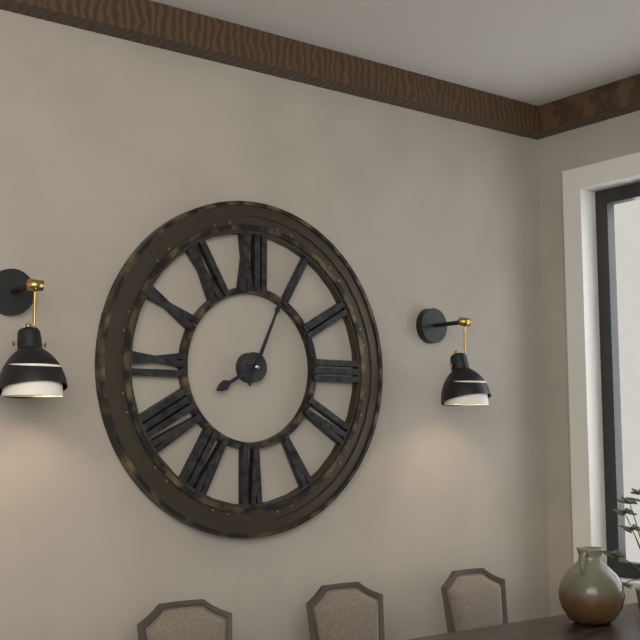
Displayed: 8 h 04 min
